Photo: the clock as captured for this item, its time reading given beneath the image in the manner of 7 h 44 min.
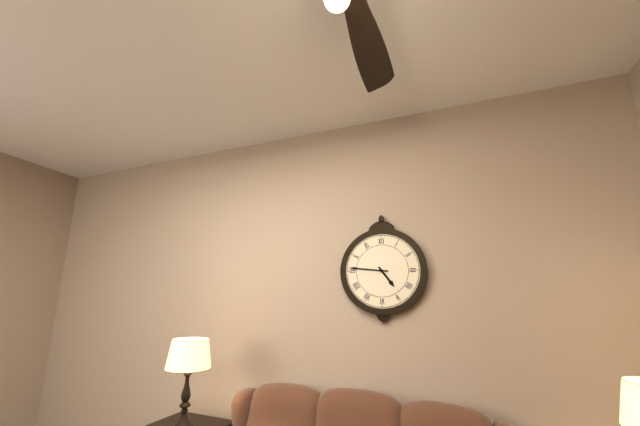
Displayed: 4 h 46 min
